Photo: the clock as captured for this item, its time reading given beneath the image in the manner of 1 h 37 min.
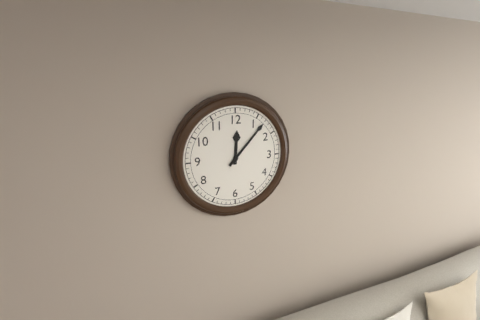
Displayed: 12 h 07 min
